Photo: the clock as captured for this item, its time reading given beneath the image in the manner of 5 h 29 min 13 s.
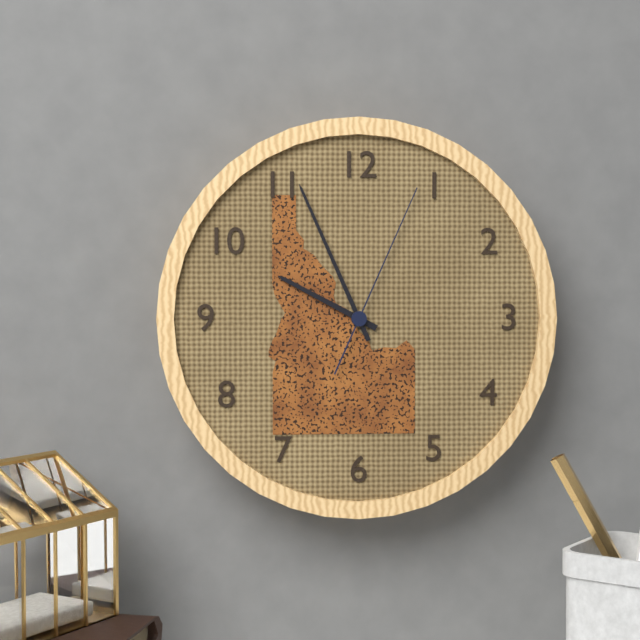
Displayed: 9 h 56 min 04 s
